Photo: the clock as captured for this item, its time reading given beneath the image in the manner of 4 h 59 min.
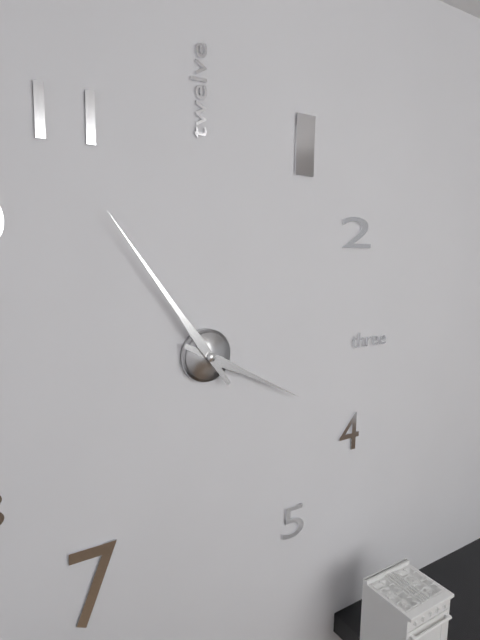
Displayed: 3 h 54 min
